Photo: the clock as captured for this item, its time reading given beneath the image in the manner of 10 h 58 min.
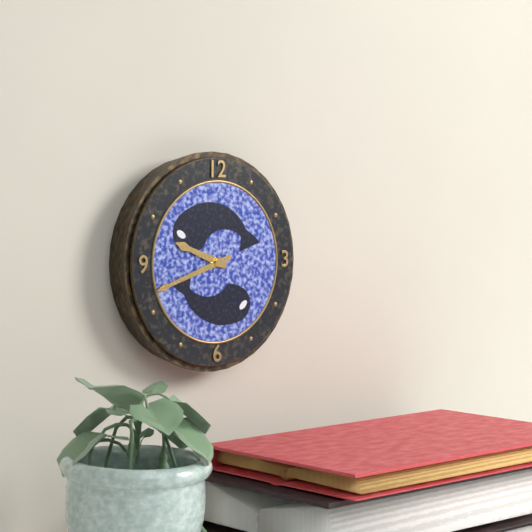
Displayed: 9 h 42 min
